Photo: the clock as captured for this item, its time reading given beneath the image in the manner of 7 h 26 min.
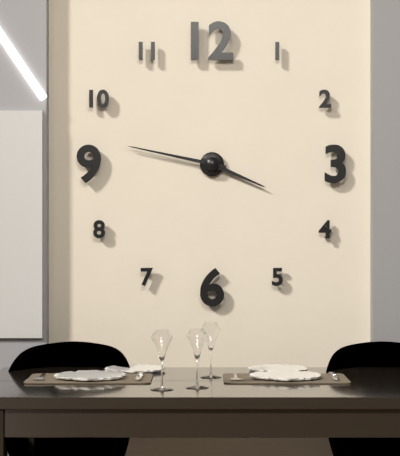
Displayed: 3 h 47 min
